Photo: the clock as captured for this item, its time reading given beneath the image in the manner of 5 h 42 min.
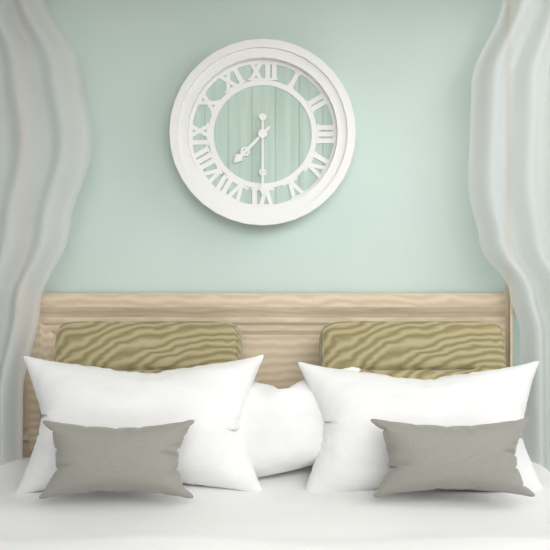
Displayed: 7 h 30 min
